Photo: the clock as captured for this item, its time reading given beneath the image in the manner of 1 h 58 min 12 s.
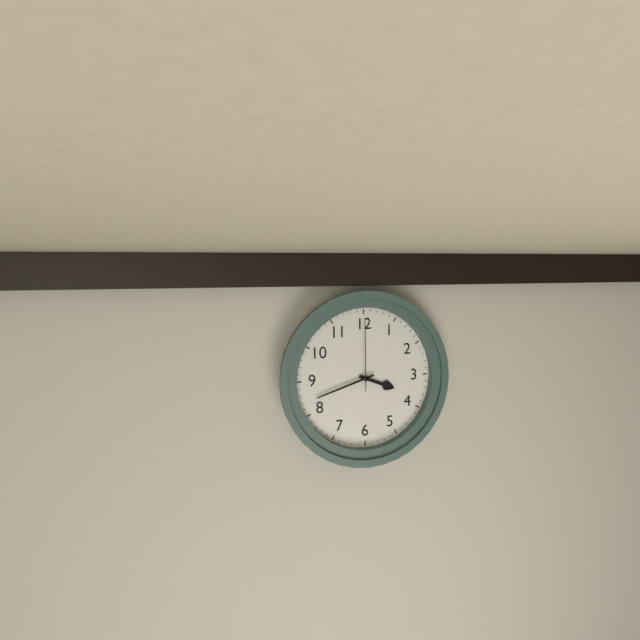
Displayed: 3 h 42 min 00 s
